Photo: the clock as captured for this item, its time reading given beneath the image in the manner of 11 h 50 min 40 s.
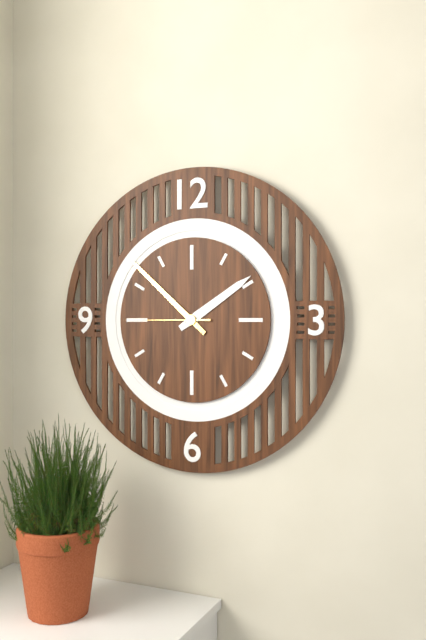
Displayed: 1 h 52 min 45 s
